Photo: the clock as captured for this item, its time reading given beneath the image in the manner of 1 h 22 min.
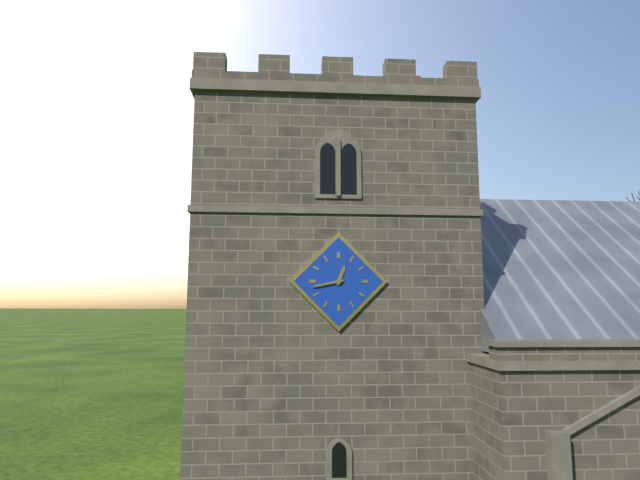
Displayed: 12 h 43 min
